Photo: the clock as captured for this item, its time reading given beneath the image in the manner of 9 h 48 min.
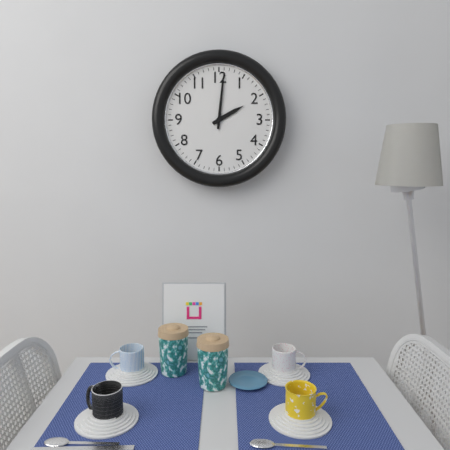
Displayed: 2 h 01 min
